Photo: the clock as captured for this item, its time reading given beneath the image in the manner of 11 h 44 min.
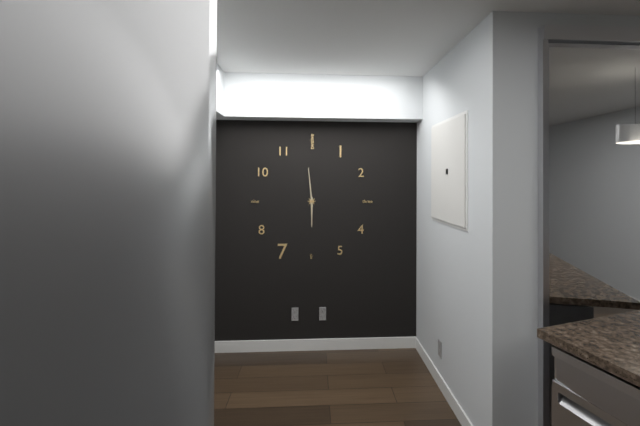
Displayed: 5 h 59 min
